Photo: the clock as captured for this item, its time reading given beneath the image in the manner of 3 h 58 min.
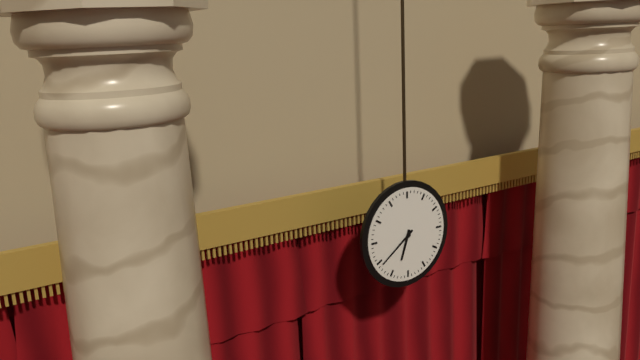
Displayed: 6 h 39 min
